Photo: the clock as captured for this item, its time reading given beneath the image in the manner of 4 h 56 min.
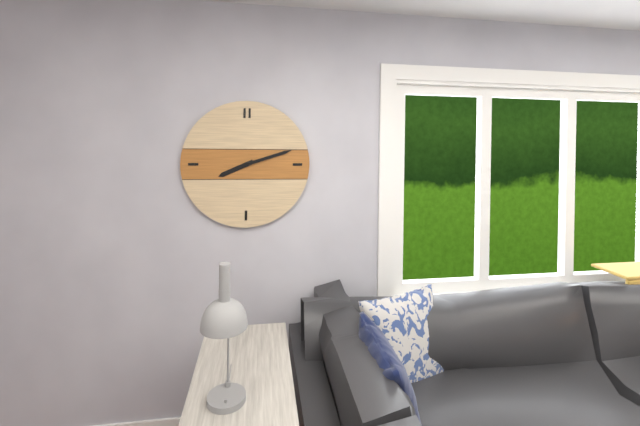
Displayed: 8 h 12 min
